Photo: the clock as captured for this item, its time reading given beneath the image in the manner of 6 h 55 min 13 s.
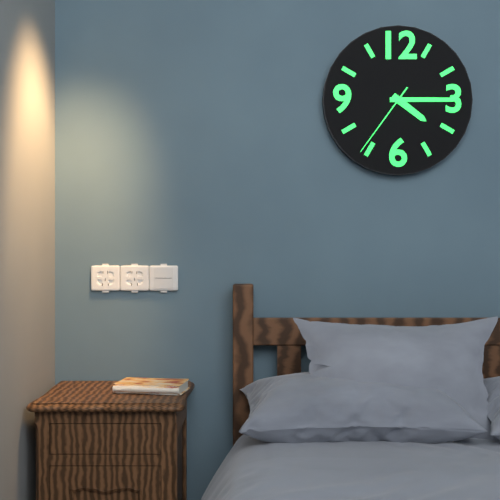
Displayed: 4 h 15 min 36 s
